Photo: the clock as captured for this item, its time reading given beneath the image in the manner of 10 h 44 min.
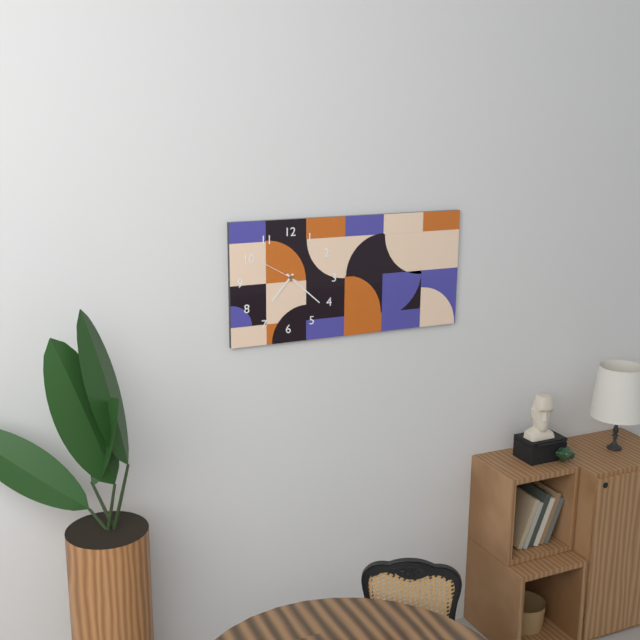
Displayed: 7 h 22 min
